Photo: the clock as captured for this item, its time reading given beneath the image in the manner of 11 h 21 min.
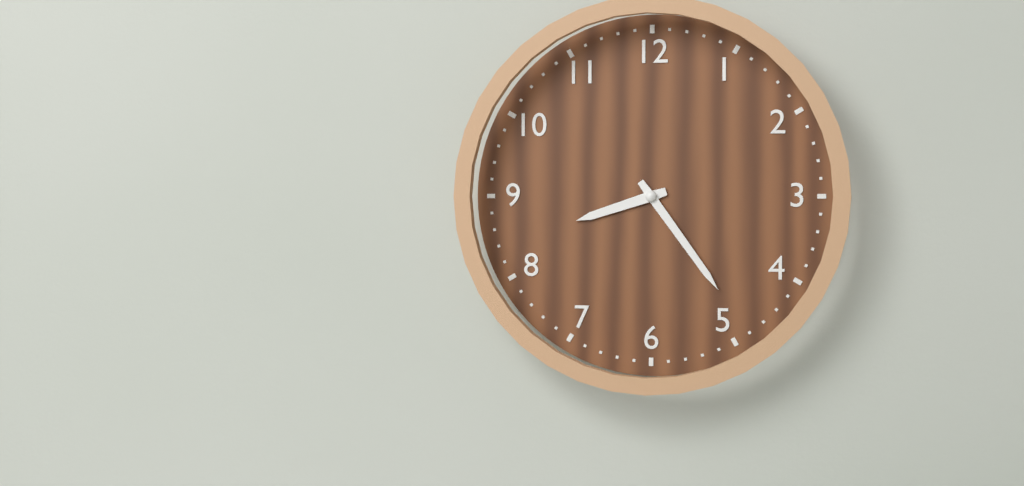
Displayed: 8 h 24 min
